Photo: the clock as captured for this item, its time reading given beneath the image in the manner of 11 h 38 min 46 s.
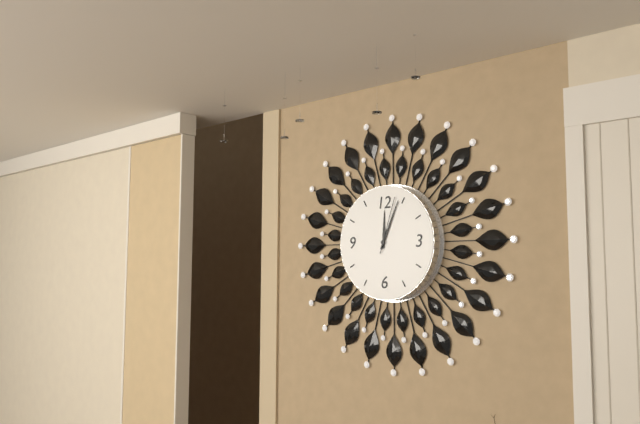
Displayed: 12 h 04 min 03 s
